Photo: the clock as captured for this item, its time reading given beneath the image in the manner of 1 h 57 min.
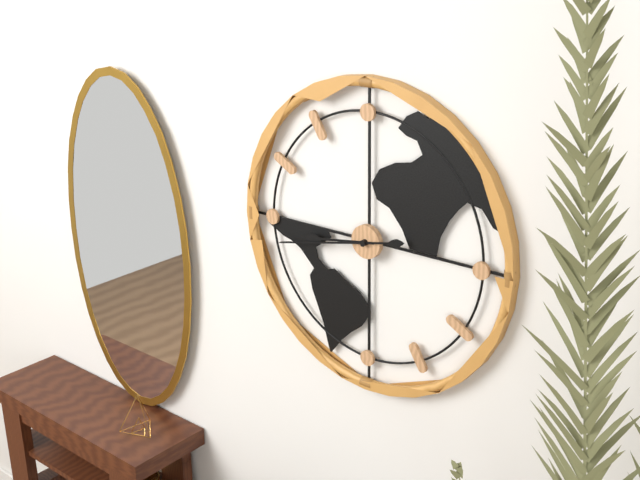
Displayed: 8 h 43 min
